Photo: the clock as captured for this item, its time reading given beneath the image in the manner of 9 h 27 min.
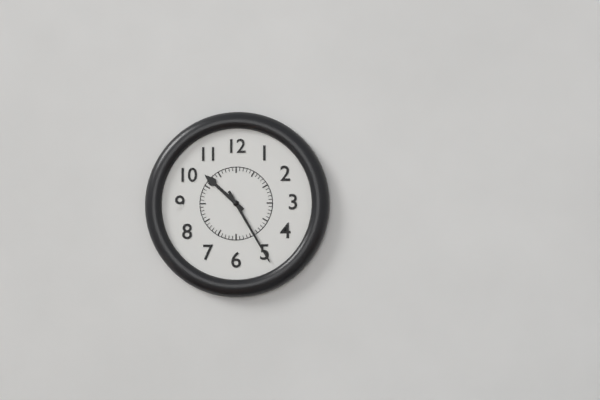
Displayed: 10 h 25 min
